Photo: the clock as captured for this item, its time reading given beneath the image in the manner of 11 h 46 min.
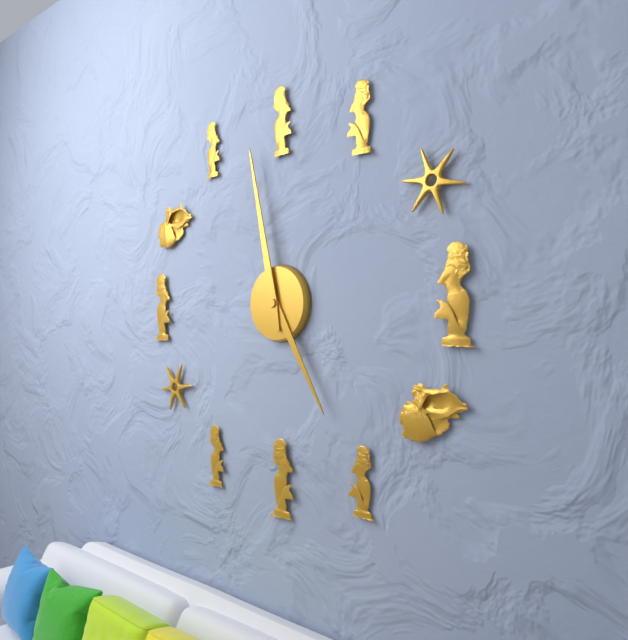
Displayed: 4 h 58 min
